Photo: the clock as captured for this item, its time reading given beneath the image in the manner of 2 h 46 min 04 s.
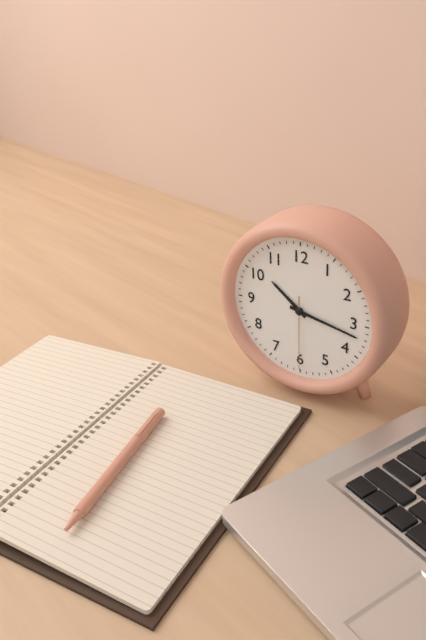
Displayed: 10 h 17 min 30 s
